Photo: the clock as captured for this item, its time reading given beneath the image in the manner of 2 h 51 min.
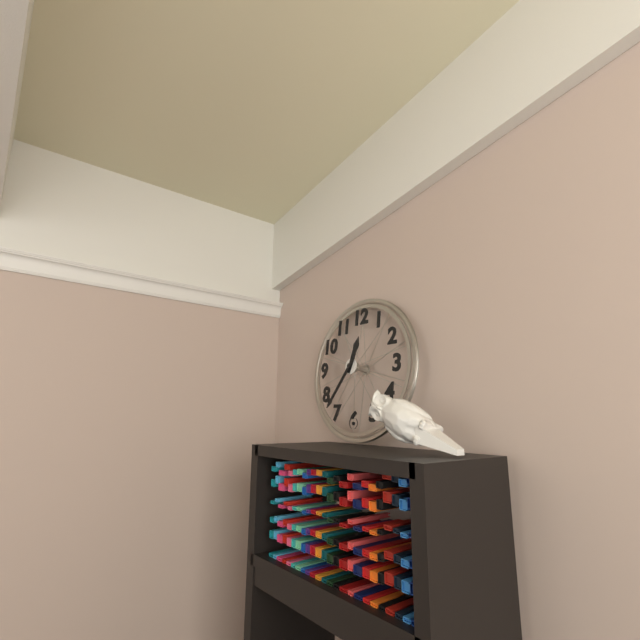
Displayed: 12 h 36 min
